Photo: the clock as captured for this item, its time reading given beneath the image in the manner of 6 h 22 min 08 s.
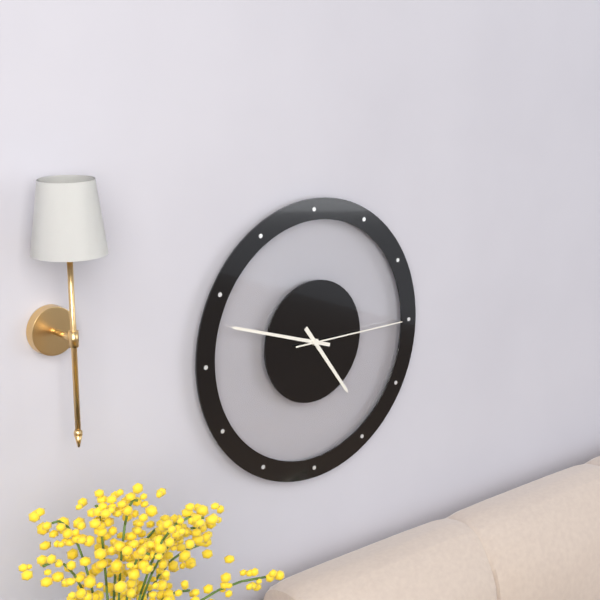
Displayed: 4 h 48 min 15 s
